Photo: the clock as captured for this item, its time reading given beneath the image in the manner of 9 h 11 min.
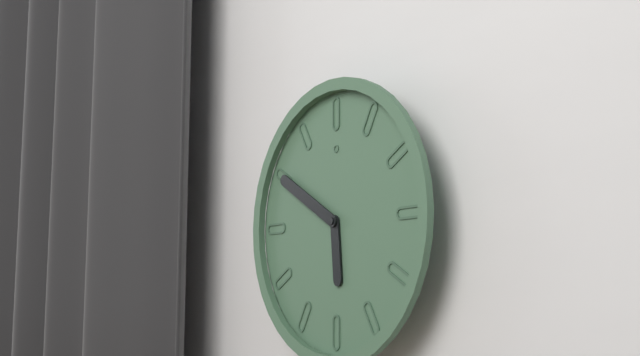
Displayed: 5 h 50 min
